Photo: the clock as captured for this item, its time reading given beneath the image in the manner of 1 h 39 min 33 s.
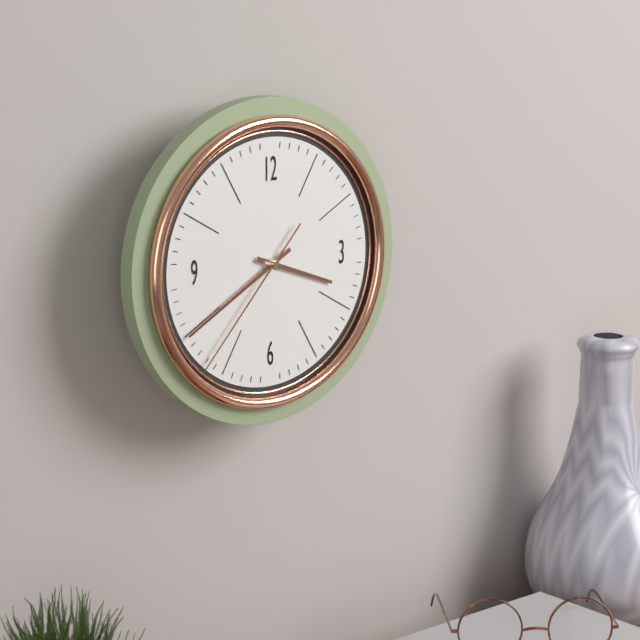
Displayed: 3 h 40 min 37 s
